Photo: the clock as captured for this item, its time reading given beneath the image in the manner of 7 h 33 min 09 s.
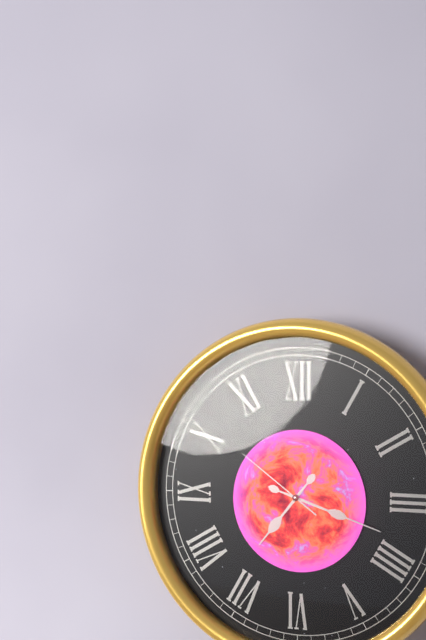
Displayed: 7 h 18 min 51 s
